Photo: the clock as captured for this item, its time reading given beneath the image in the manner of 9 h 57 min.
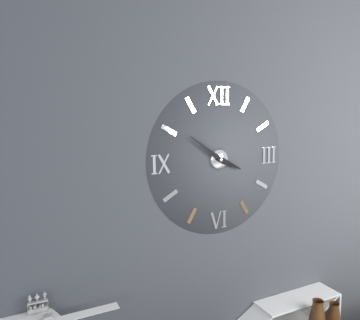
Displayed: 3 h 51 min
